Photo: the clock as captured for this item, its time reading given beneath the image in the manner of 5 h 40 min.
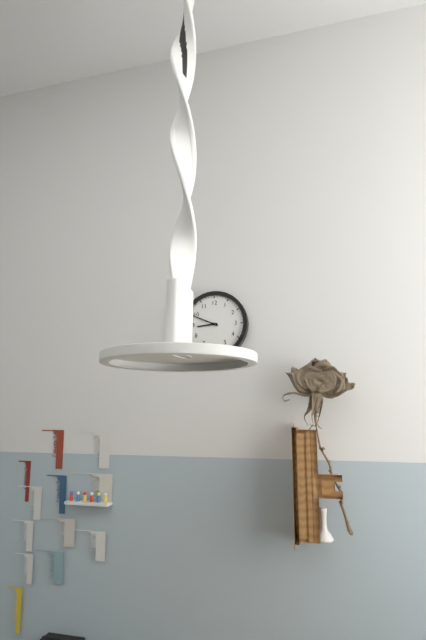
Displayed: 8 h 49 min
